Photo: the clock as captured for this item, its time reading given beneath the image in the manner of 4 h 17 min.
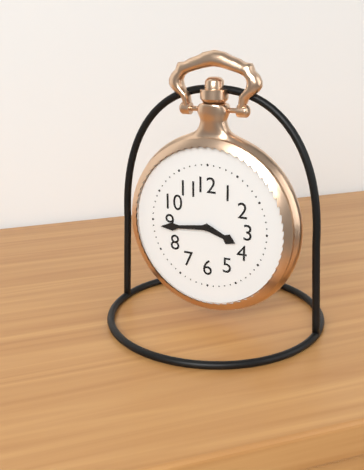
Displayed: 3 h 44 min
